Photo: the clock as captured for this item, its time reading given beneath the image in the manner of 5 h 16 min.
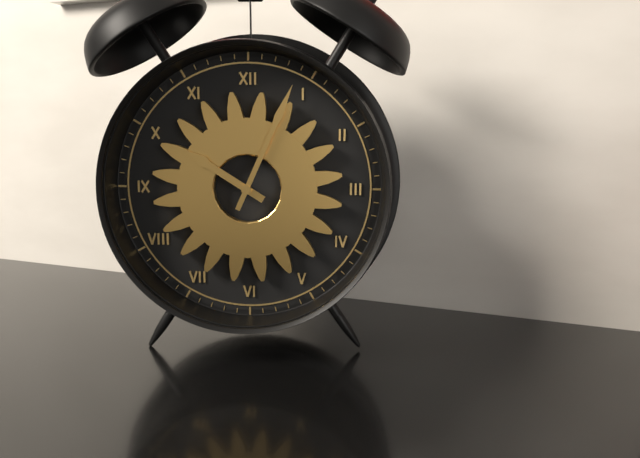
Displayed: 10 h 04 min
